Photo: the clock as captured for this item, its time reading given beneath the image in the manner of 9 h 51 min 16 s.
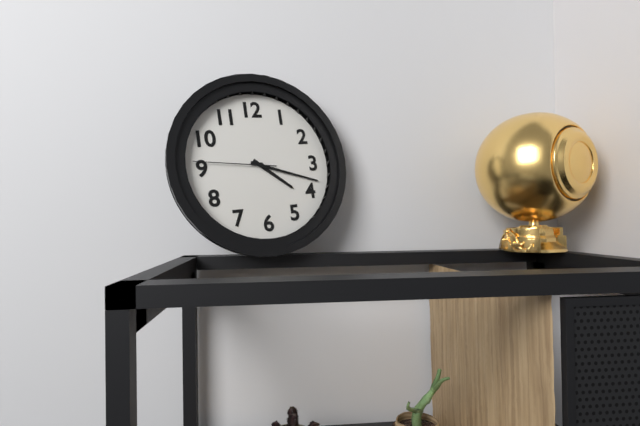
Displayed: 4 h 18 min 46 s
